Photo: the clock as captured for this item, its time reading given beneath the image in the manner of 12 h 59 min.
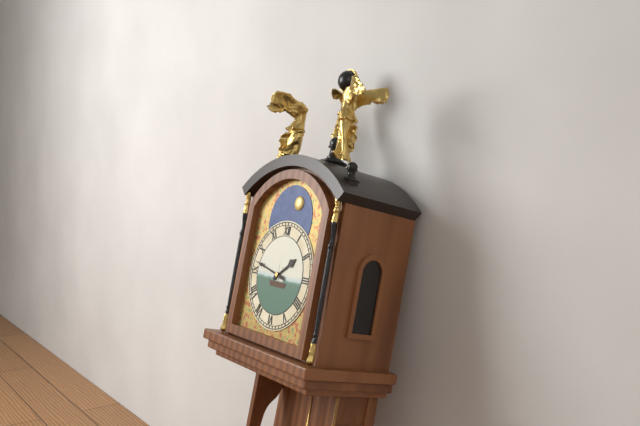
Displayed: 1 h 47 min
